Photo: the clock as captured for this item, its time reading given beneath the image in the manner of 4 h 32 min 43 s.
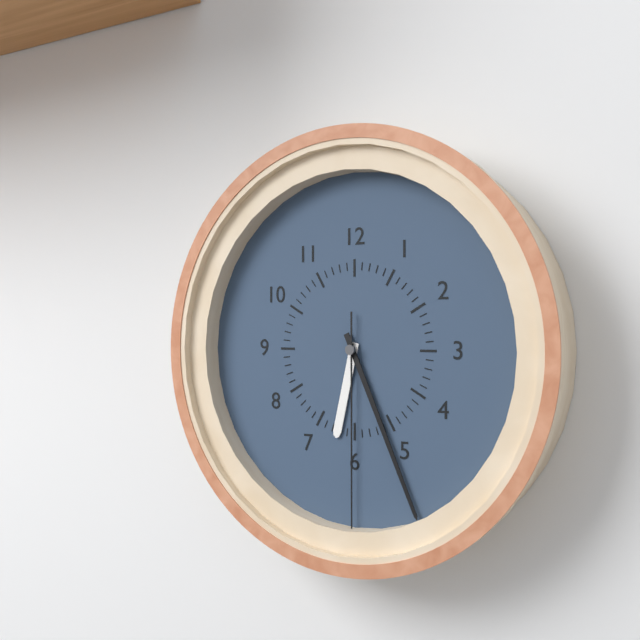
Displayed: 6 h 26 min 30 s
